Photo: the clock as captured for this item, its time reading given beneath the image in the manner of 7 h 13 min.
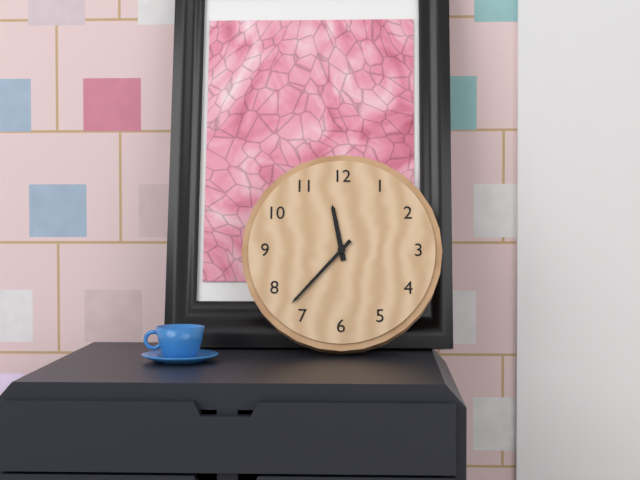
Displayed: 11 h 37 min
